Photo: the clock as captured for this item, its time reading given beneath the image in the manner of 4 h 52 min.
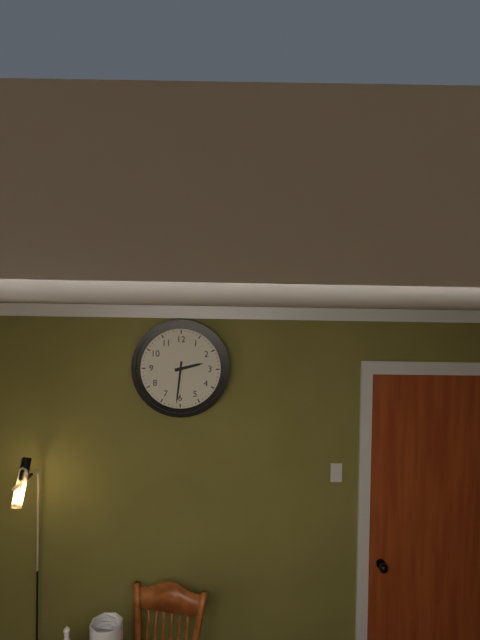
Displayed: 2 h 31 min
